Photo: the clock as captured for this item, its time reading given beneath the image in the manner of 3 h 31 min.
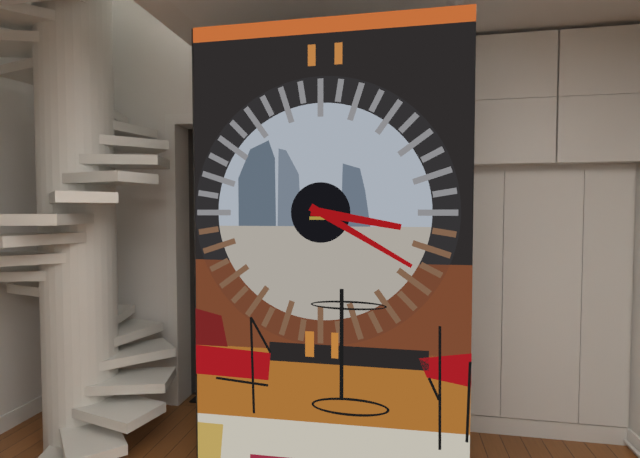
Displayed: 3 h 20 min
